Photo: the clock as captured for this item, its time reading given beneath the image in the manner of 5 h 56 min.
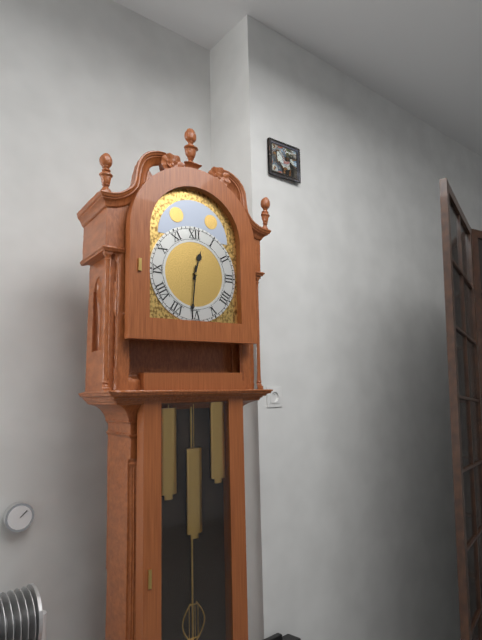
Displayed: 12 h 31 min
